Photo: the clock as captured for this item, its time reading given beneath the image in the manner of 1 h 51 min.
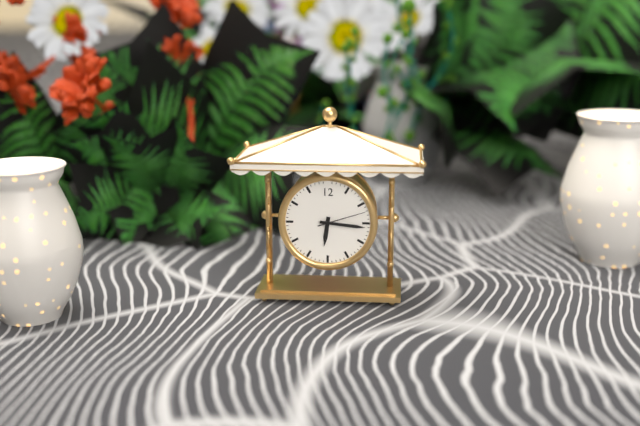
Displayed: 6 h 16 min
